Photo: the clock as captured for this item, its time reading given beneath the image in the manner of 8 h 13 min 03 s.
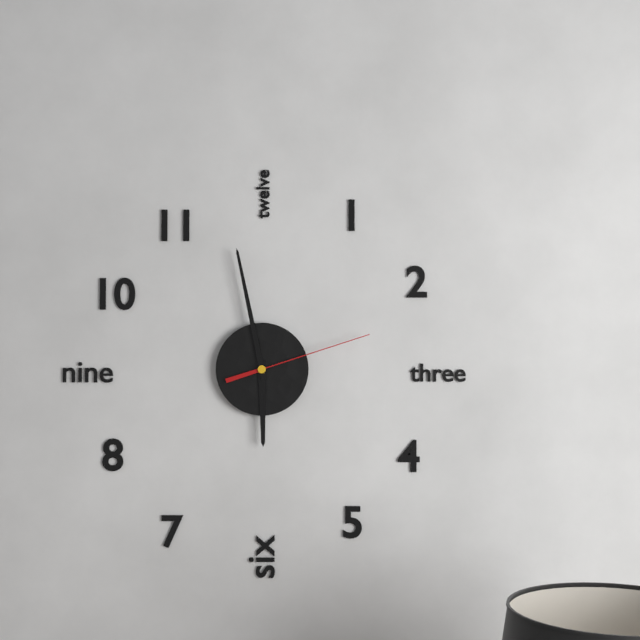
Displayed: 5 h 58 min 12 s
